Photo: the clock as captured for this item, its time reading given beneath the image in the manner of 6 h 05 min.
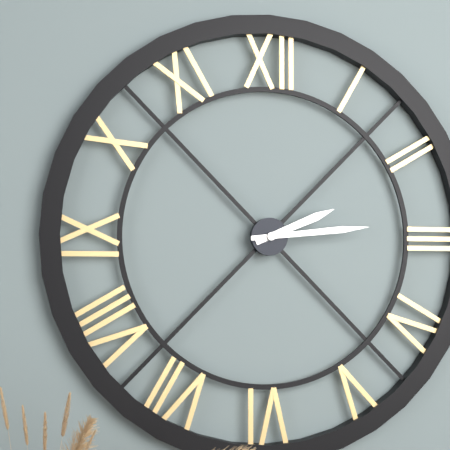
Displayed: 2 h 14 min
